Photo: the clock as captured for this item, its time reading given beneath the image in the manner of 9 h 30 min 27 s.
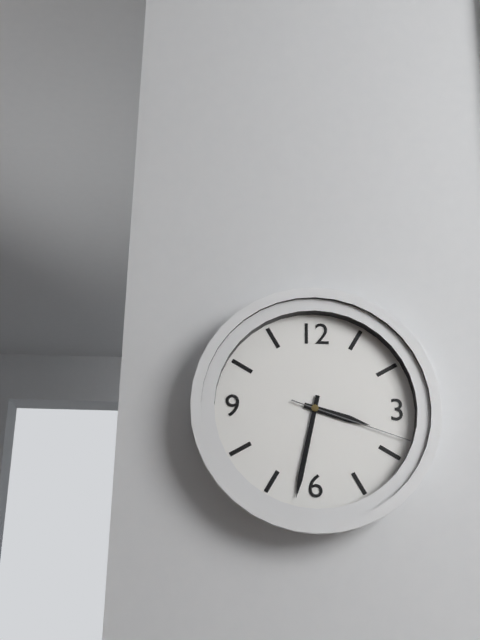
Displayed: 3 h 32 min 18 s
